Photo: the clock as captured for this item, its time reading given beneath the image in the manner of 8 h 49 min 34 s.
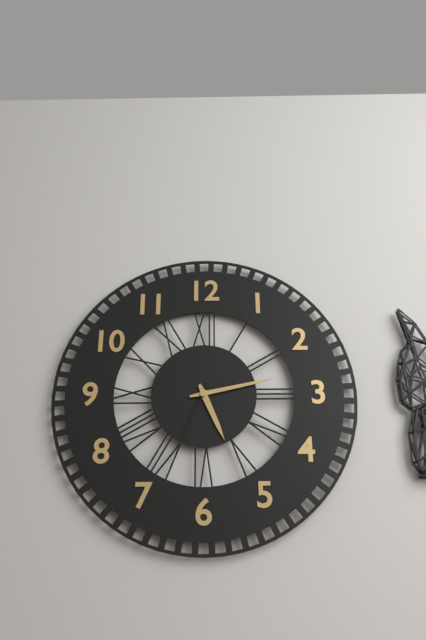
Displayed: 5 h 13 min 34 s
